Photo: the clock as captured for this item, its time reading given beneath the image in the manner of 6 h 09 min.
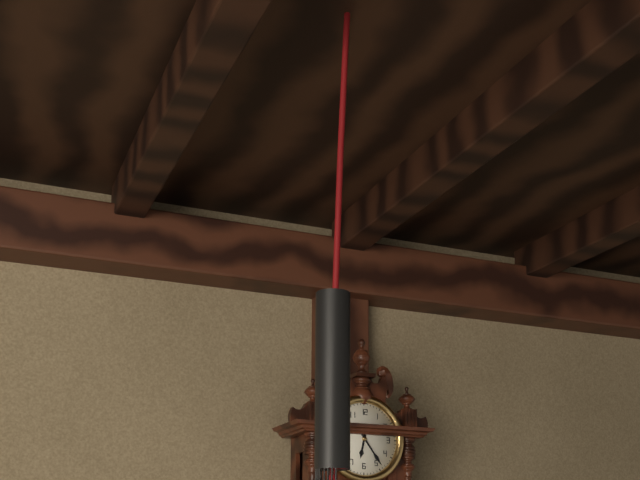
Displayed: 6 h 24 min
